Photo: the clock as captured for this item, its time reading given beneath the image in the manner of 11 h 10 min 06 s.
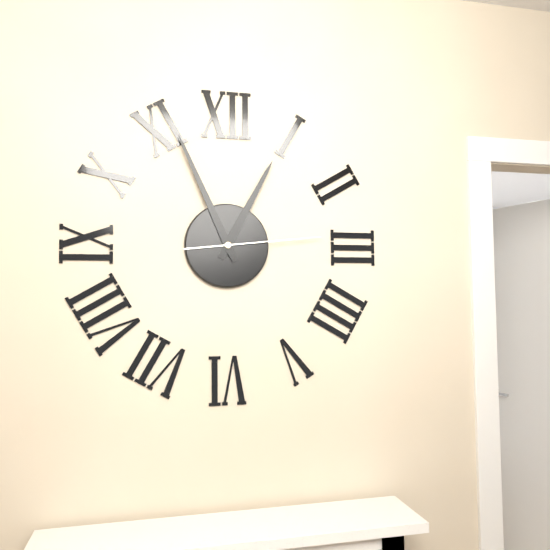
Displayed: 12 h 56 min 14 s
